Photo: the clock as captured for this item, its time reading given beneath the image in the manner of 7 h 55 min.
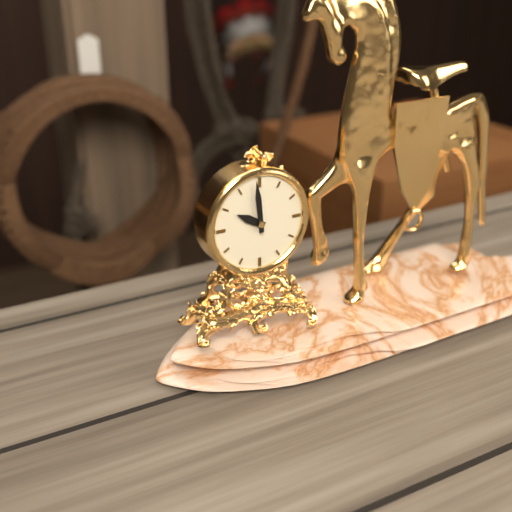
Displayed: 9 h 59 min
